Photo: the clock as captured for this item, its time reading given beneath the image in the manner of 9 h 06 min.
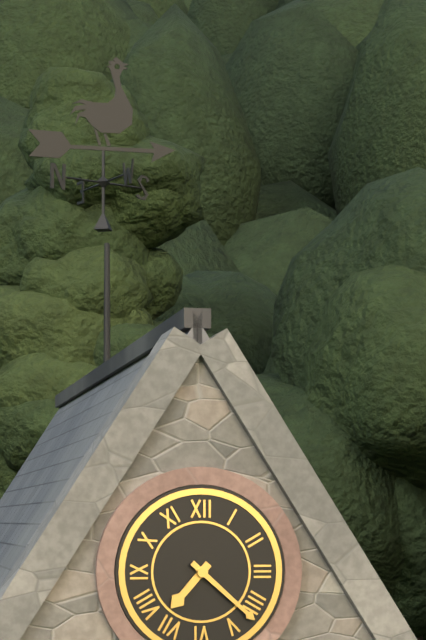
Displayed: 7 h 22 min
